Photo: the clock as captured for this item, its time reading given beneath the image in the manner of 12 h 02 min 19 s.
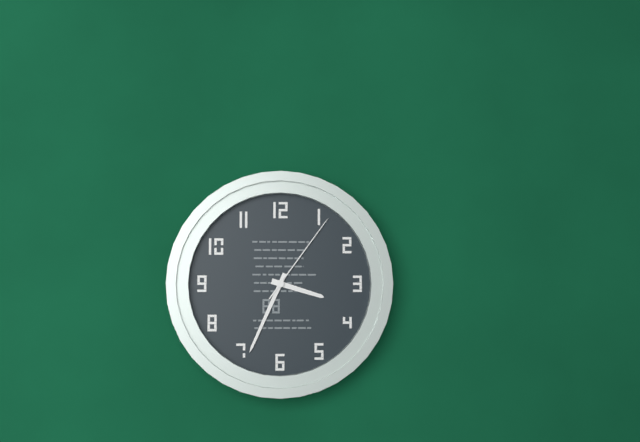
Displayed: 3 h 34 min 06 s
